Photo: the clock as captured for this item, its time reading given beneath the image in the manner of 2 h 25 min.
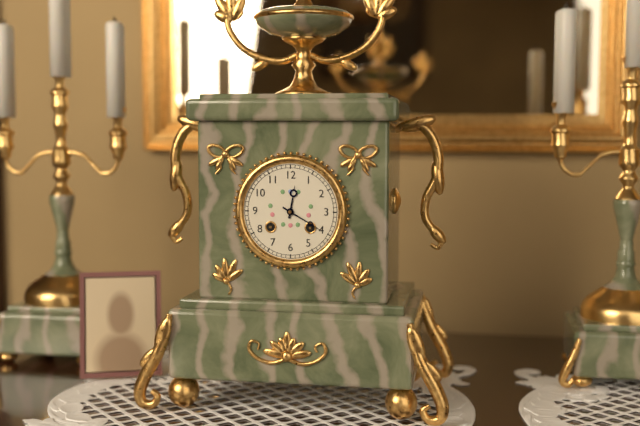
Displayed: 12 h 20 min
